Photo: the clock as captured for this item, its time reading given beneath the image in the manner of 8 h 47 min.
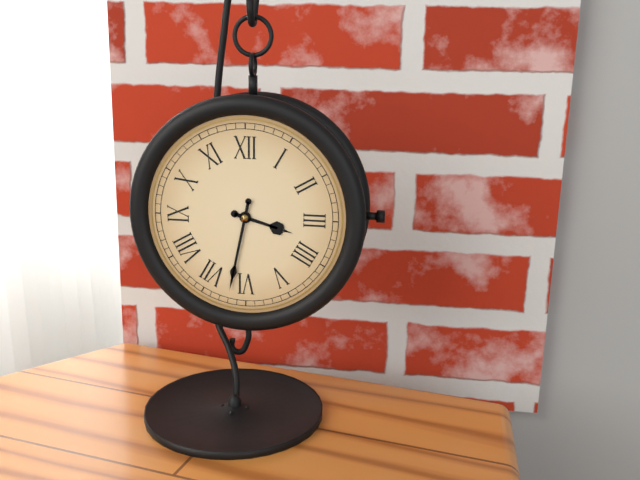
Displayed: 3 h 32 min
